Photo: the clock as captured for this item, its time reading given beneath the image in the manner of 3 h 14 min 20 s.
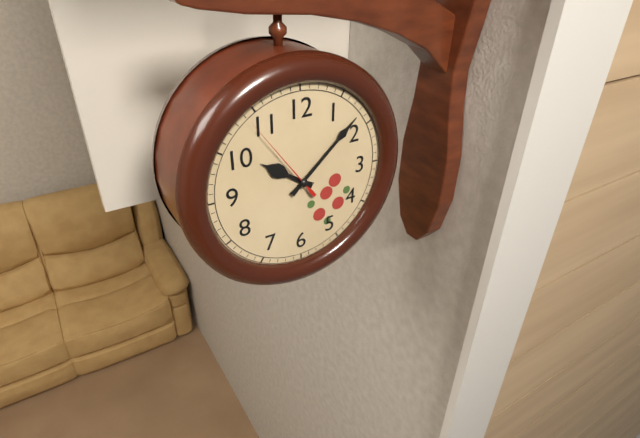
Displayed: 10 h 08 min 54 s
